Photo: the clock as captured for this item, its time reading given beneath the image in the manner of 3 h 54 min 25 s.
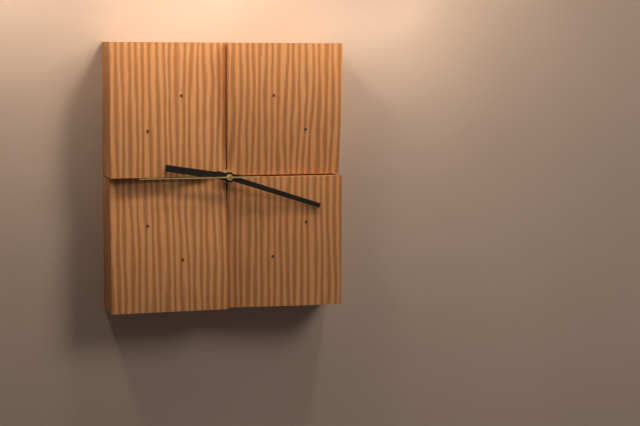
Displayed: 9 h 18 min 45 s
